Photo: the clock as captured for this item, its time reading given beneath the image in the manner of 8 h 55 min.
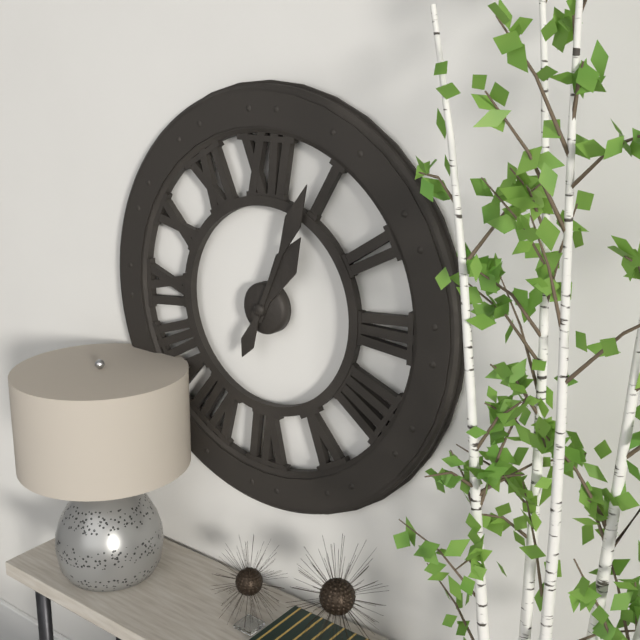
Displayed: 1 h 04 min
